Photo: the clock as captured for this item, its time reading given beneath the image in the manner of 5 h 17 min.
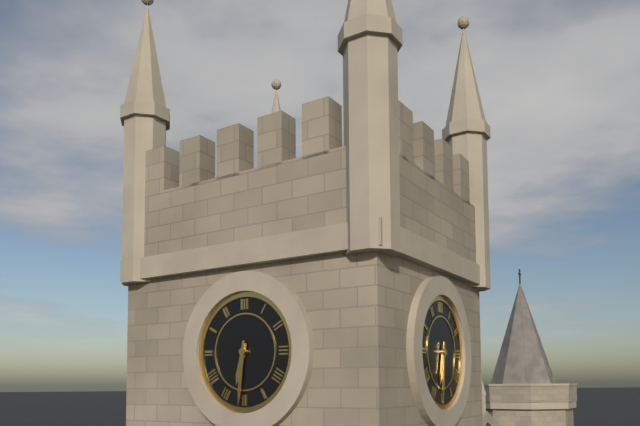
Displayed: 6 h 31 min
